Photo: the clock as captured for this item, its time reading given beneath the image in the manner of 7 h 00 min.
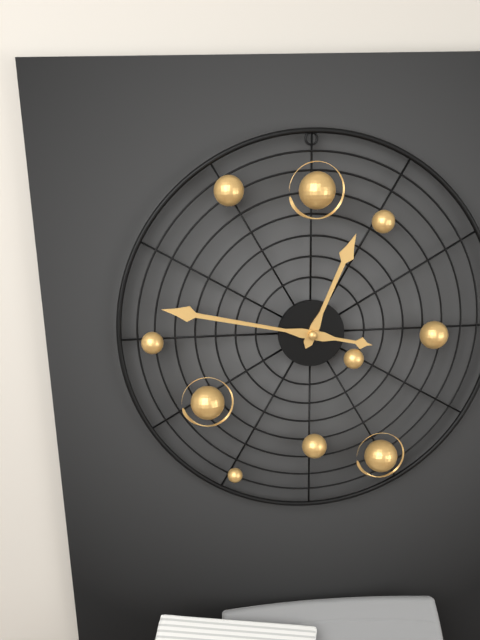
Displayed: 12 h 47 min
